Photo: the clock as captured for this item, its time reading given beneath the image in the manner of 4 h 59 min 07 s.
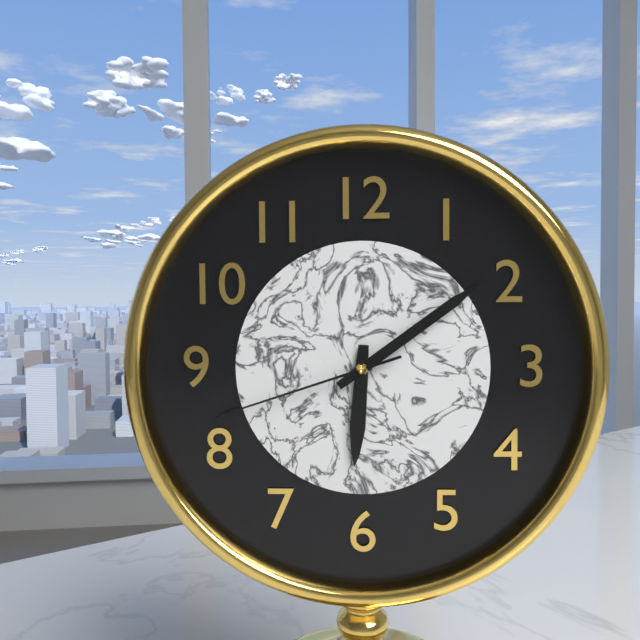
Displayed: 6 h 09 min 42 s
